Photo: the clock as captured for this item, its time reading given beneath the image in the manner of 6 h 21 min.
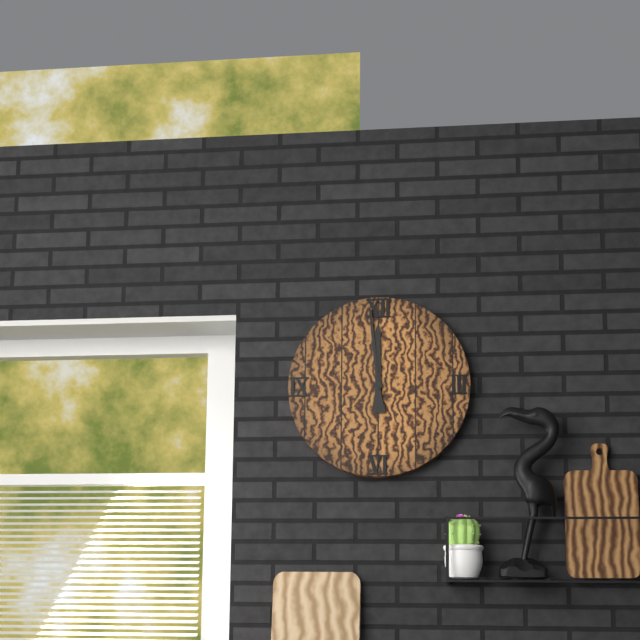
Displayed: 11 h 59 min
